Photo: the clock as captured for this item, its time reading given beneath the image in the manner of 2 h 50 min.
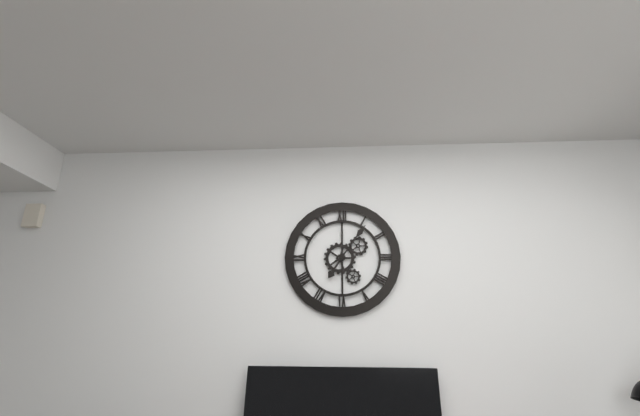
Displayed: 7 h 06 min
